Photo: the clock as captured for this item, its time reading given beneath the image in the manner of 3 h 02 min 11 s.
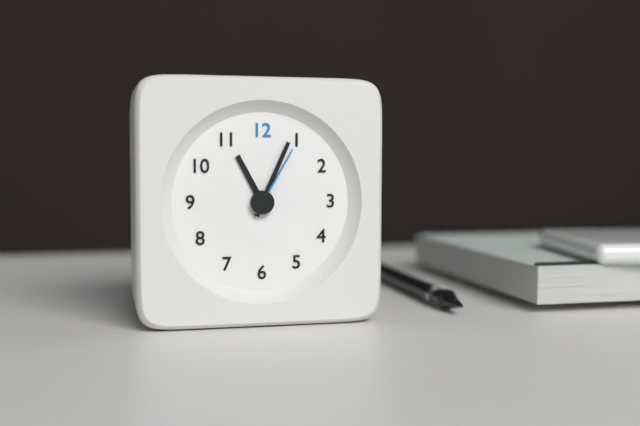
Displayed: 11 h 04 min 05 s
